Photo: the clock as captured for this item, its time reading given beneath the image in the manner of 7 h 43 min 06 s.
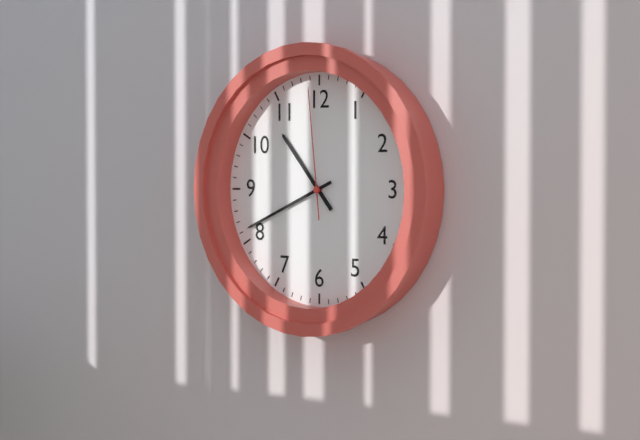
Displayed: 10 h 41 min 59 s
